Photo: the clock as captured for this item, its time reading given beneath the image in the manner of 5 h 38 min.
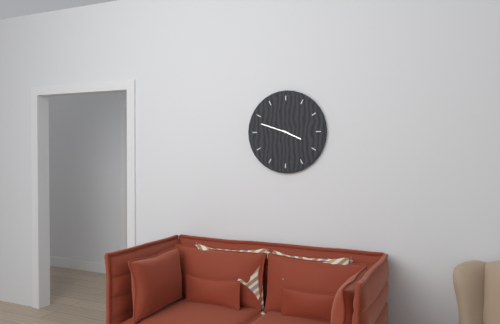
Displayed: 3 h 48 min
